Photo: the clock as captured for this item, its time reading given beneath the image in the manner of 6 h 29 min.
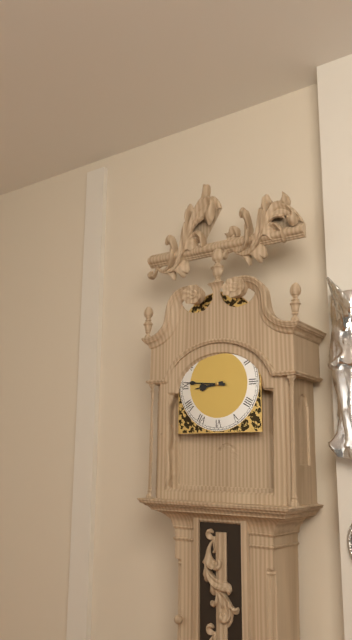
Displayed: 8 h 46 min
